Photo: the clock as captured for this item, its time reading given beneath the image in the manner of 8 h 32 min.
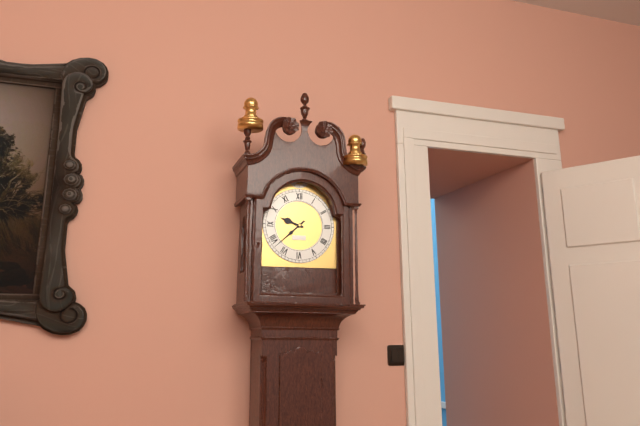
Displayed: 9 h 38 min
